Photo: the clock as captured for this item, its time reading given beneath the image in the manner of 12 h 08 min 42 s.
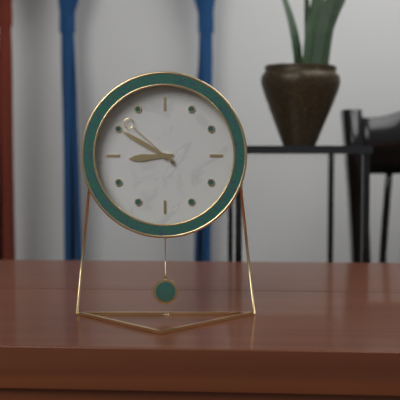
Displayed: 8 h 50 min 52 s
